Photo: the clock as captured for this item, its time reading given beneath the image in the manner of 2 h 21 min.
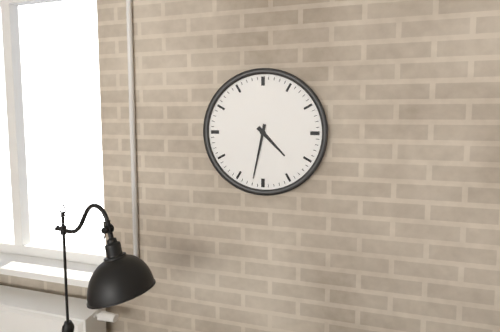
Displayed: 4 h 32 min
